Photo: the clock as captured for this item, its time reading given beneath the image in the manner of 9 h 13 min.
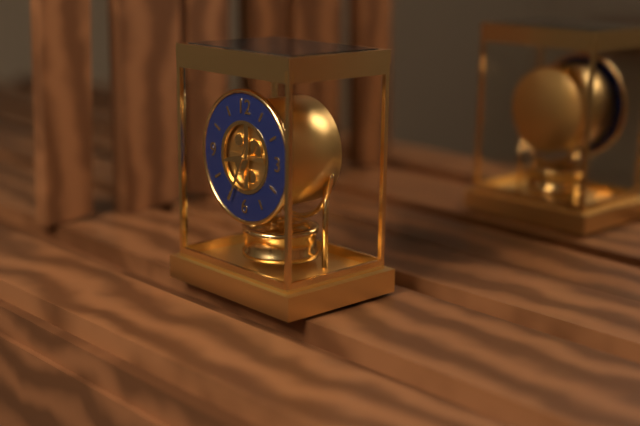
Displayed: 8 h 34 min
